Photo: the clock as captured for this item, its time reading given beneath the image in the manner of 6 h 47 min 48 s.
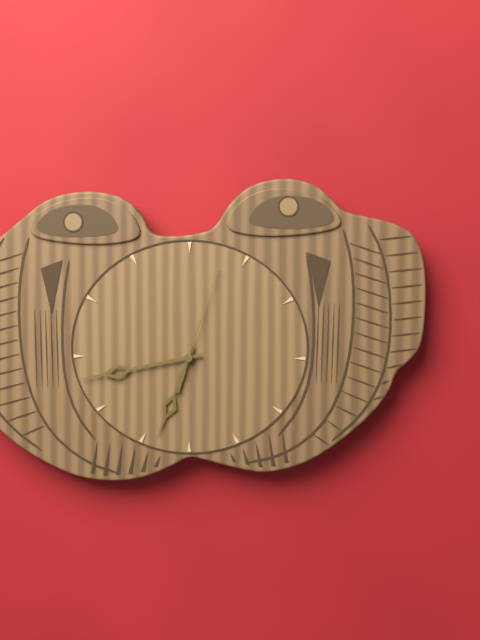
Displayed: 6 h 43 min 03 s
